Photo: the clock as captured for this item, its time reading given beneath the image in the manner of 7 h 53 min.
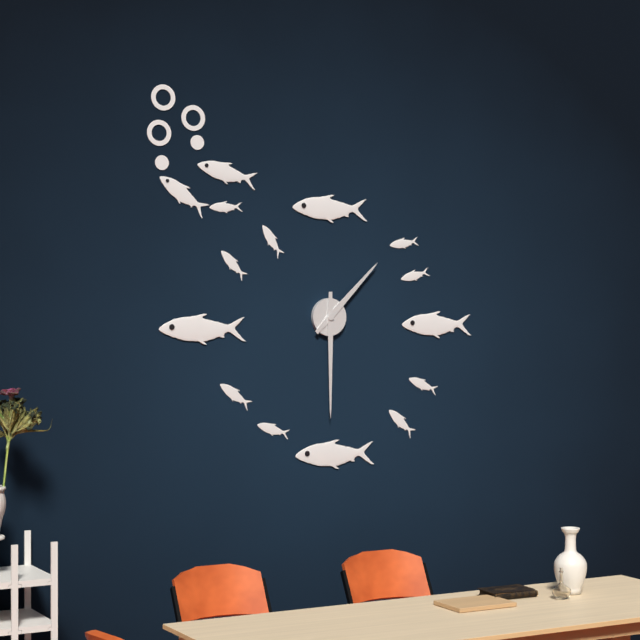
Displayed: 1 h 30 min
